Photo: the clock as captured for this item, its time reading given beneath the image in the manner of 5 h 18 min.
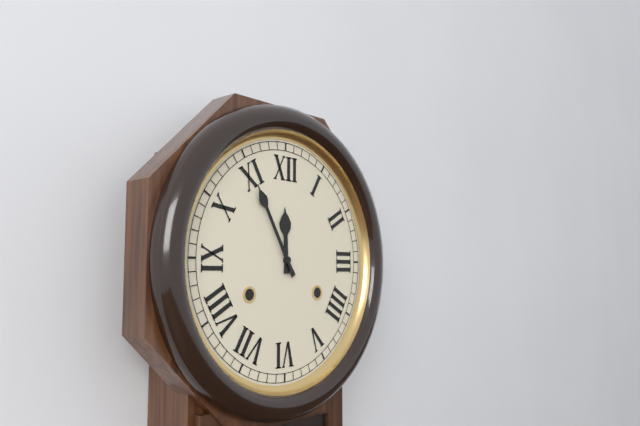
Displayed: 11 h 55 min
